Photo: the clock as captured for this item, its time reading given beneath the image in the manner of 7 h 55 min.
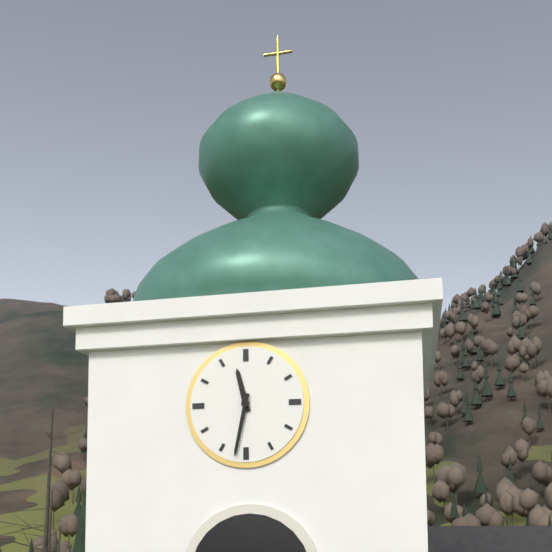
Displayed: 11 h 32 min
